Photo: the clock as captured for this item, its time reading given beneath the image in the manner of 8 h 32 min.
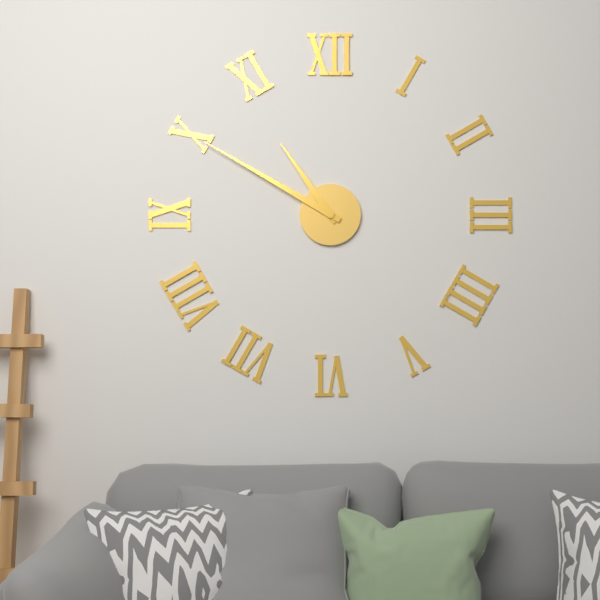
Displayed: 10 h 50 min
